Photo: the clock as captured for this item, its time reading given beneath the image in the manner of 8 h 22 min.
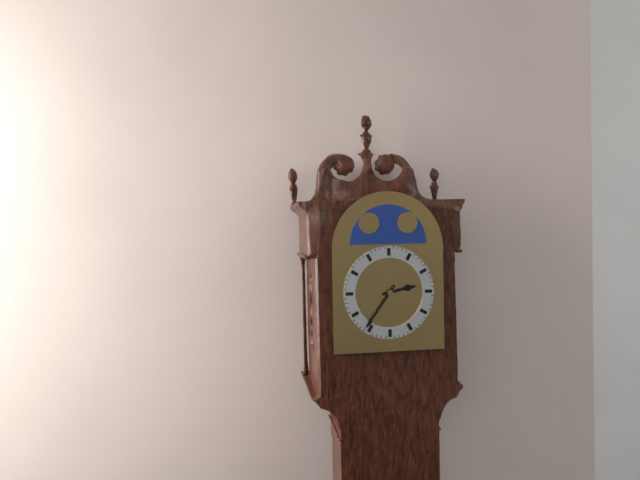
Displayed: 2 h 36 min
